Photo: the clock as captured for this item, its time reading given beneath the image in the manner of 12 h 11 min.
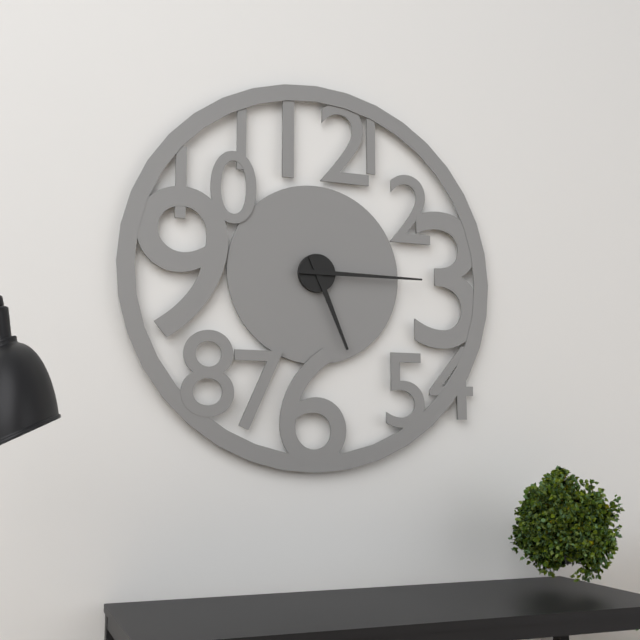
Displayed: 5 h 15 min
